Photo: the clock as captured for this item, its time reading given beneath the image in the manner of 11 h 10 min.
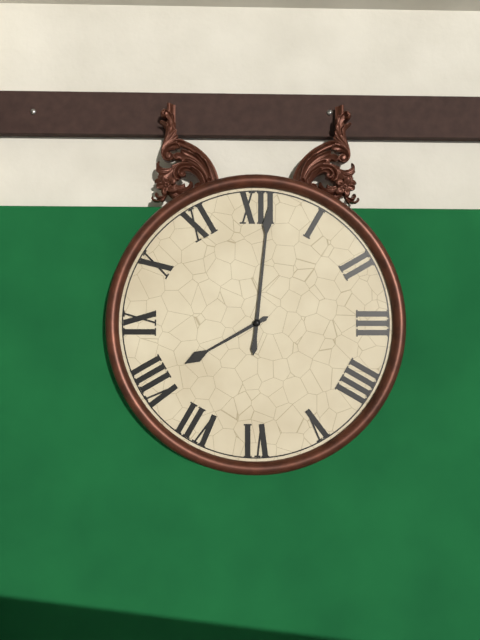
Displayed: 8 h 01 min
